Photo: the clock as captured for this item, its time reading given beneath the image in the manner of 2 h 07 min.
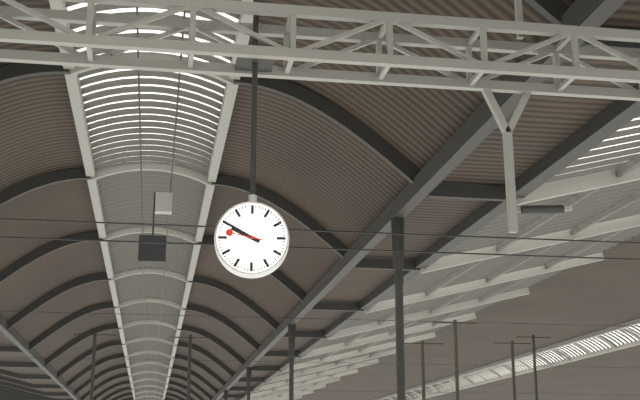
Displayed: 9 h 50 min
